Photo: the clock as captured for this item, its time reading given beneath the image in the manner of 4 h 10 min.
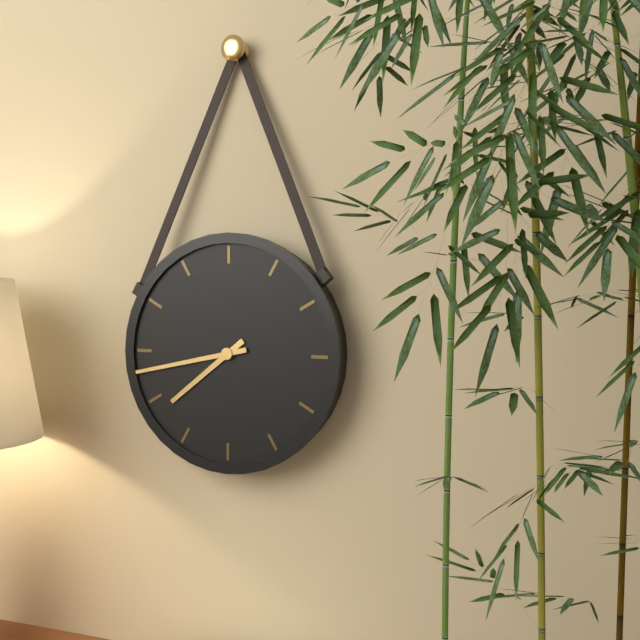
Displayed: 7 h 43 min
